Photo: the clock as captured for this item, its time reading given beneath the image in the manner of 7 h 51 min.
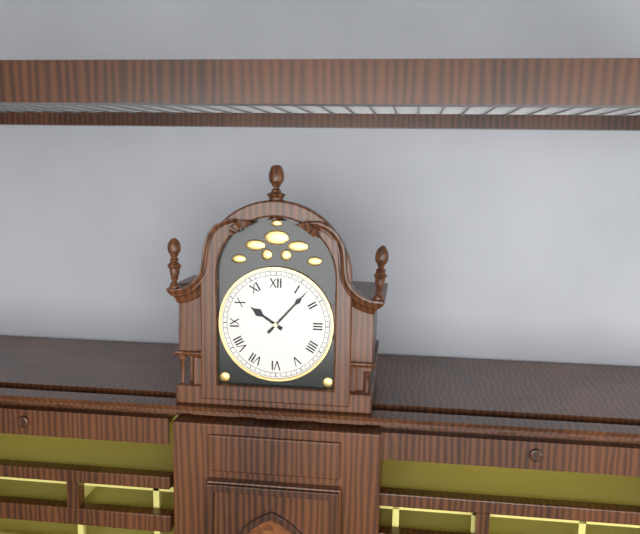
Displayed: 10 h 07 min
